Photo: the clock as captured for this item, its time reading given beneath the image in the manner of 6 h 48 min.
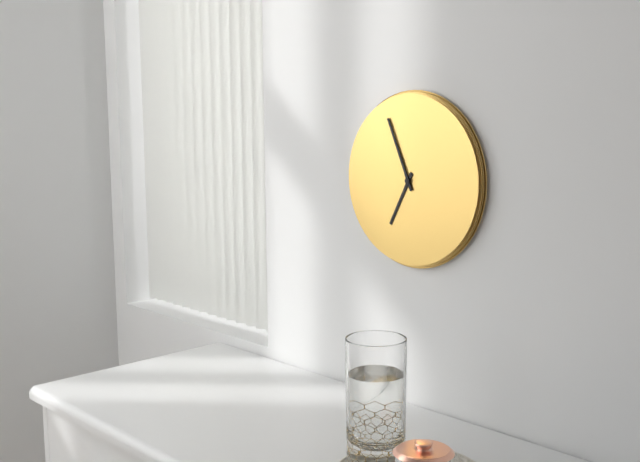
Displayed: 6 h 56 min
